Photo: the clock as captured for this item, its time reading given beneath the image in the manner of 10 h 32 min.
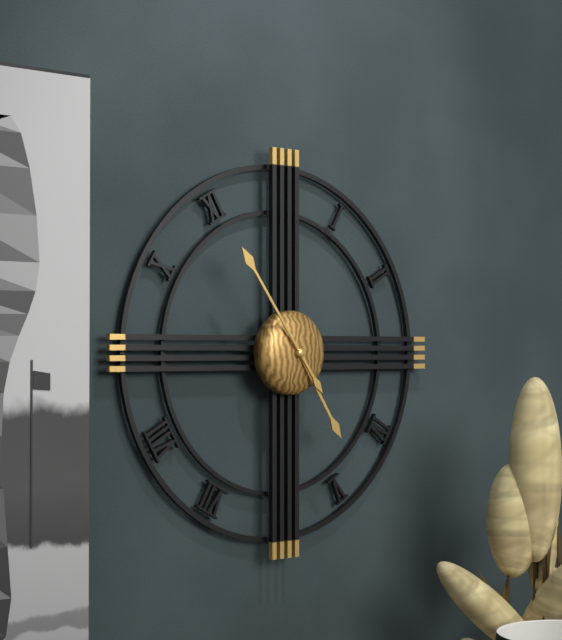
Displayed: 4 h 54 min
